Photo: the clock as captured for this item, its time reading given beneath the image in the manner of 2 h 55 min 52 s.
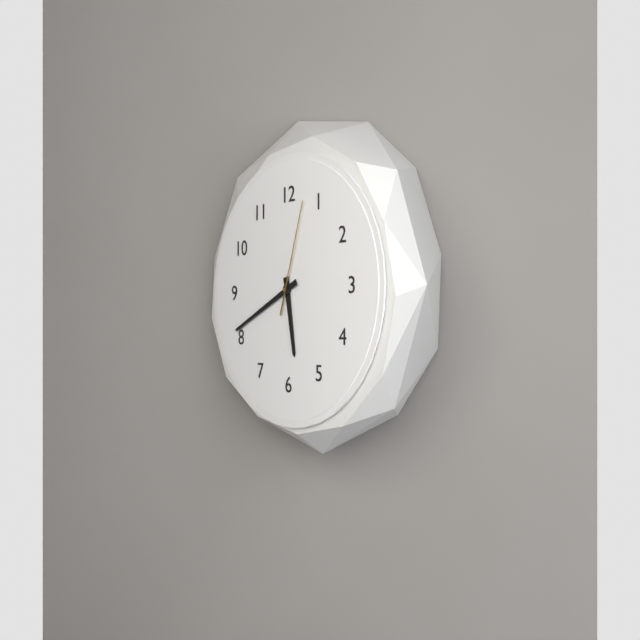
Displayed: 5 h 41 min 03 s
